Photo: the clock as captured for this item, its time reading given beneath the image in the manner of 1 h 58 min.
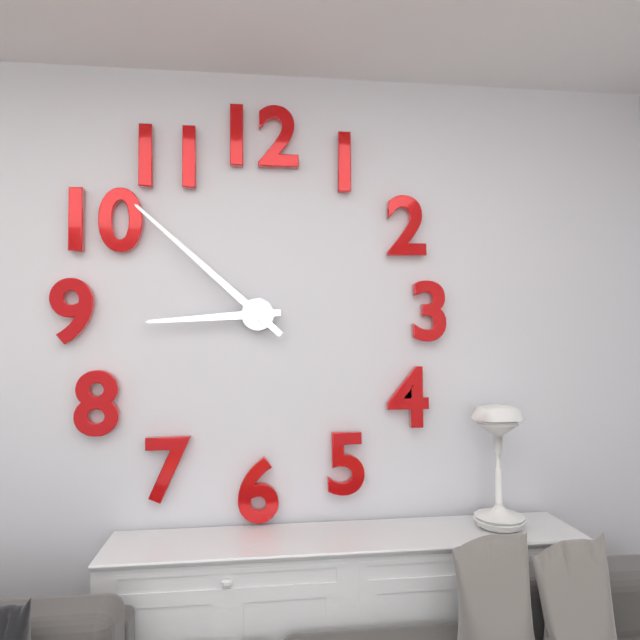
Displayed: 8 h 52 min
